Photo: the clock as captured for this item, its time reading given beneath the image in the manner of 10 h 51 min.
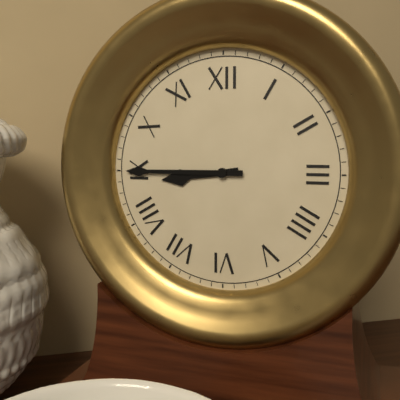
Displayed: 8 h 45 min
